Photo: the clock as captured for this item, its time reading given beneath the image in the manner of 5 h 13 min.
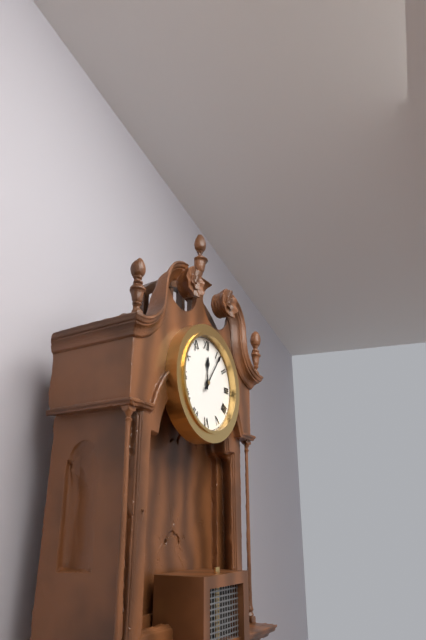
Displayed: 12 h 06 min
